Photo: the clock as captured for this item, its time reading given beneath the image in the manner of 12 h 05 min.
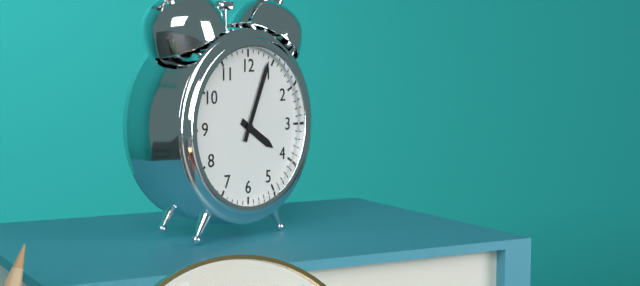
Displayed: 4 h 04 min
